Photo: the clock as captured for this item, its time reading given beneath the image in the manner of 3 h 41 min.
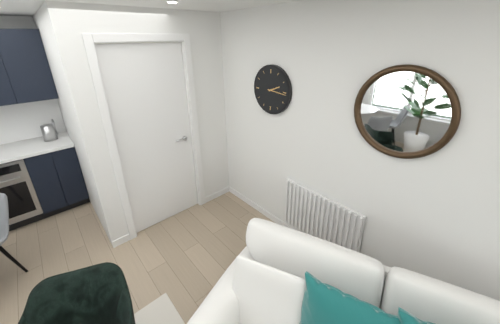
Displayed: 2 h 16 min
